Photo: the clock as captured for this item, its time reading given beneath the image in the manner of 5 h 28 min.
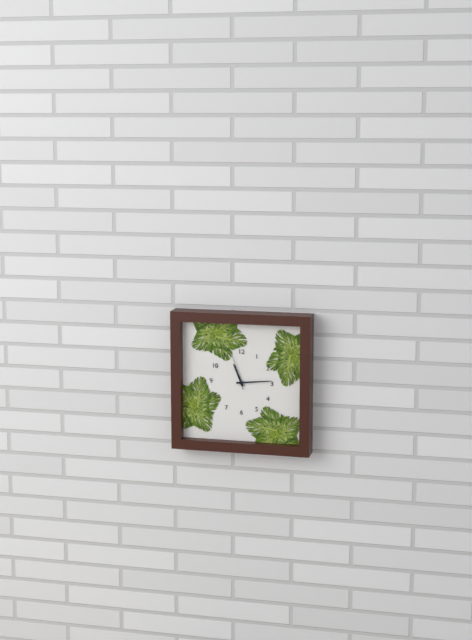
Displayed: 11 h 14 min
